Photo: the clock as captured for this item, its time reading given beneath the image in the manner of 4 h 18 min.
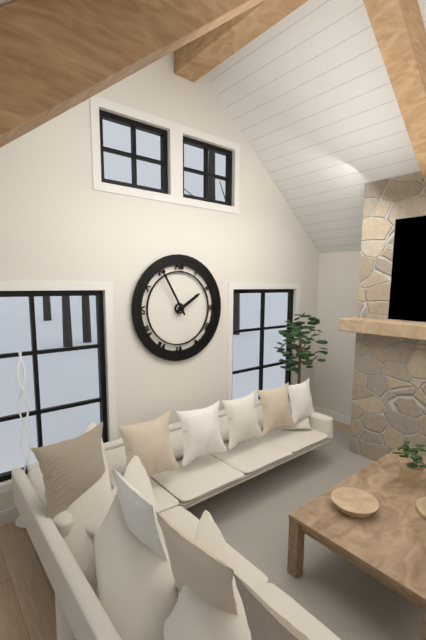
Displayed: 1 h 55 min
